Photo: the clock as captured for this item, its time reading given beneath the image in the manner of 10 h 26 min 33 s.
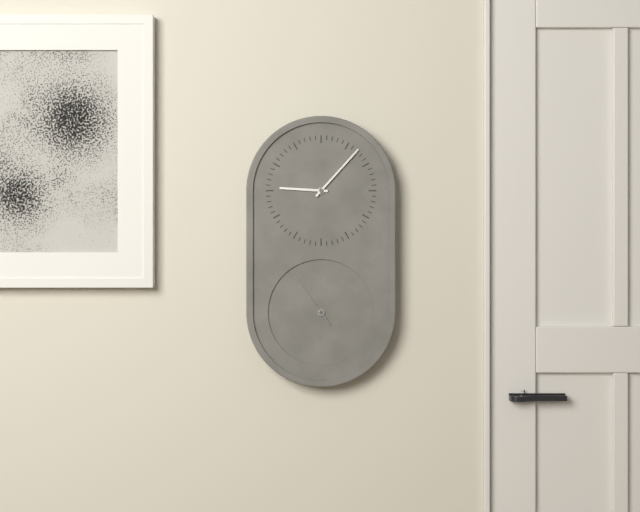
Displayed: 9 h 07 min 54 s
